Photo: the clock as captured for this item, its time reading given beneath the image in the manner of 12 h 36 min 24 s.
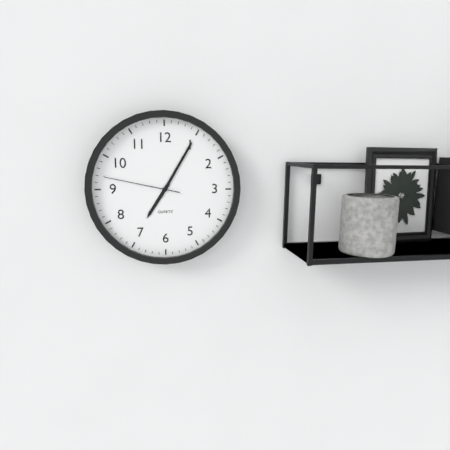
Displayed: 7 h 05 min 47 s
